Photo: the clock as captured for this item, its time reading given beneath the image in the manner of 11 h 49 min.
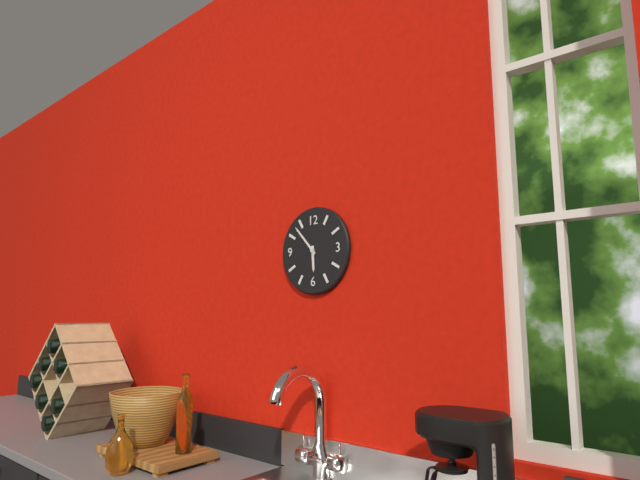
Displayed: 5 h 53 min
